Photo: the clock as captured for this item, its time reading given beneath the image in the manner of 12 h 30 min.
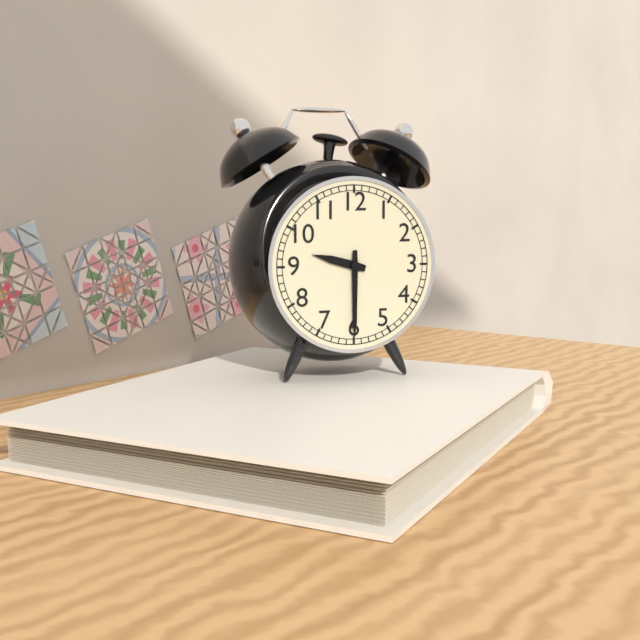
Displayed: 9 h 30 min
